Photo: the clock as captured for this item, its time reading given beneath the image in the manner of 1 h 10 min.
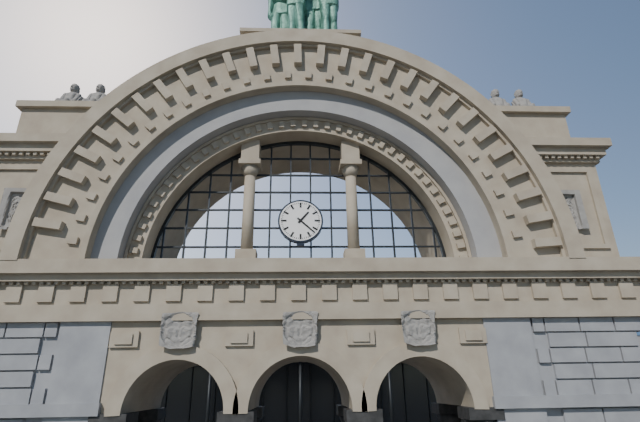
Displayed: 1 h 22 min
